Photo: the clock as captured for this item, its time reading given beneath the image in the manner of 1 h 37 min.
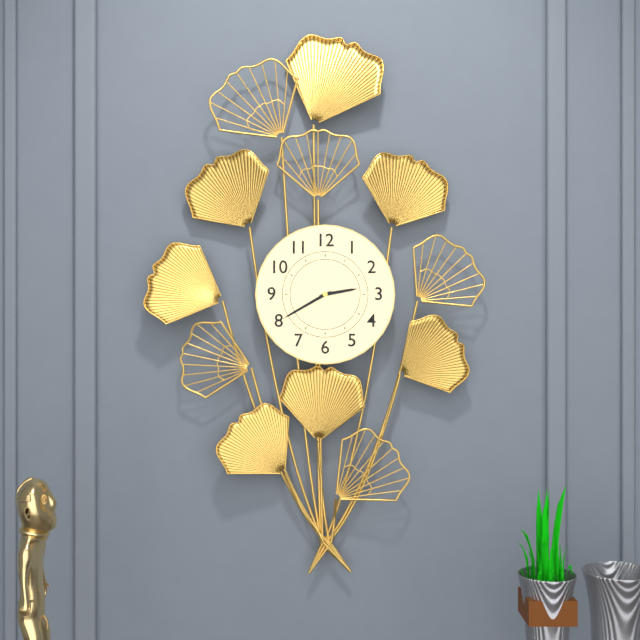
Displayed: 2 h 40 min
